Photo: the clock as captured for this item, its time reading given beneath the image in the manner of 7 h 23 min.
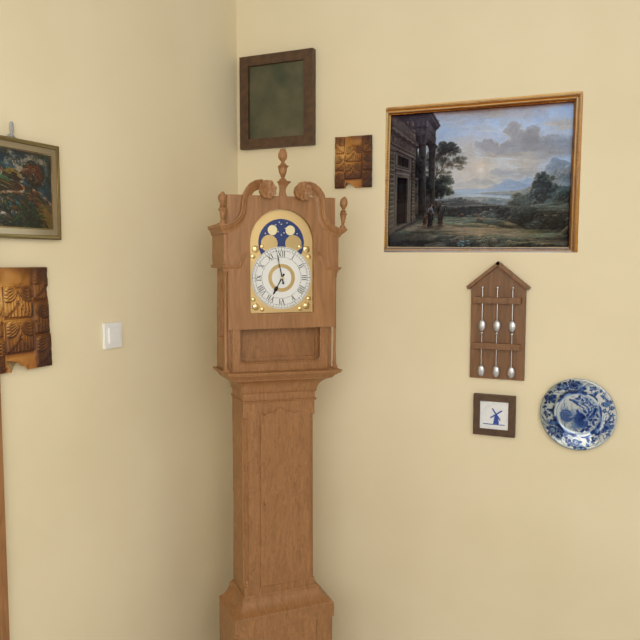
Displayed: 6 h 58 min
